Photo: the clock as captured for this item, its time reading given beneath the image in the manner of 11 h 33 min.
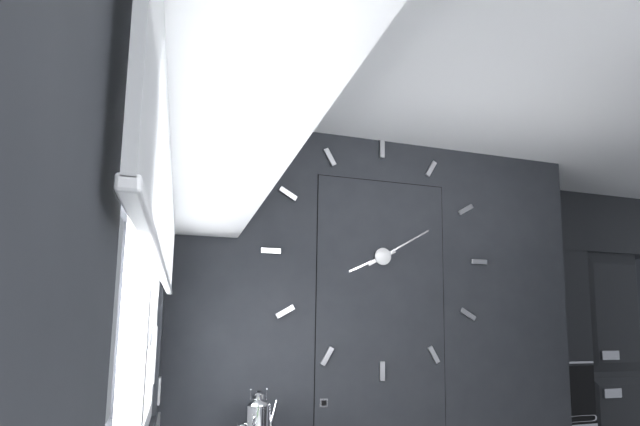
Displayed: 8 h 10 min
